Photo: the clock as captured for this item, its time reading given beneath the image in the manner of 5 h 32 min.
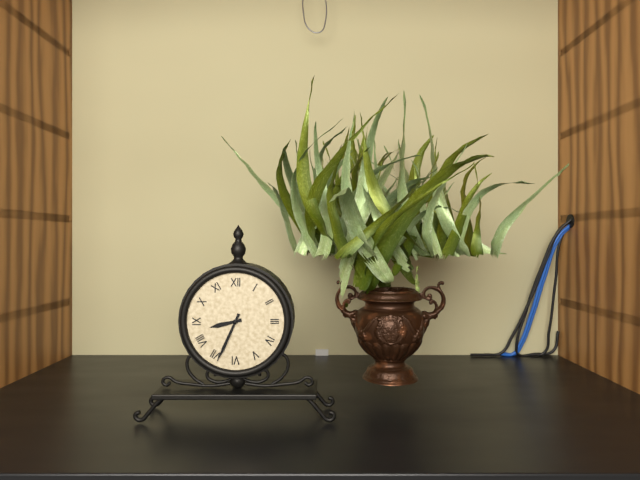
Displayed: 8 h 34 min
